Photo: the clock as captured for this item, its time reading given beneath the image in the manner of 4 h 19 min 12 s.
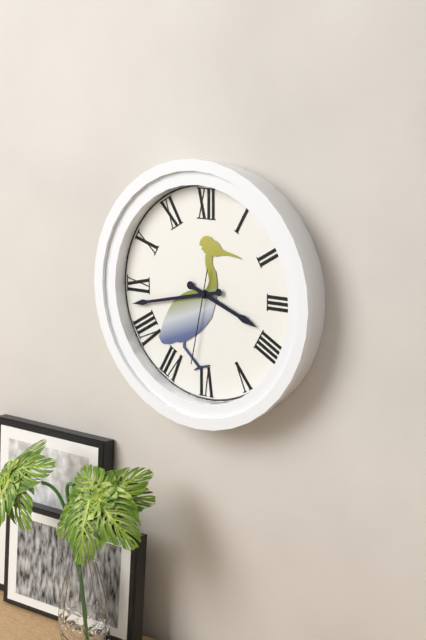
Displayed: 3 h 43 min 32 s
